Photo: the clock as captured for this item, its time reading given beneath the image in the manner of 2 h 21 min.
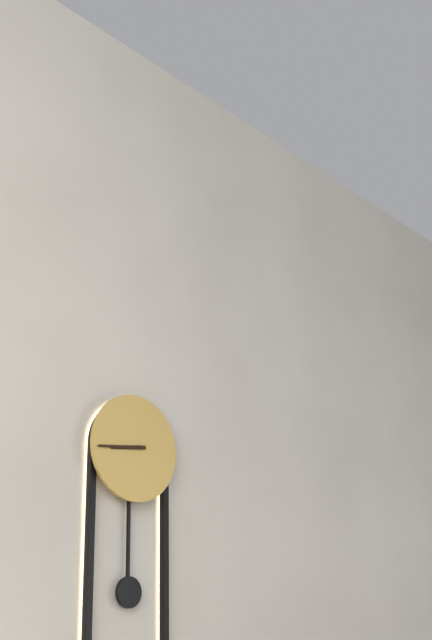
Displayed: 8 h 44 min
